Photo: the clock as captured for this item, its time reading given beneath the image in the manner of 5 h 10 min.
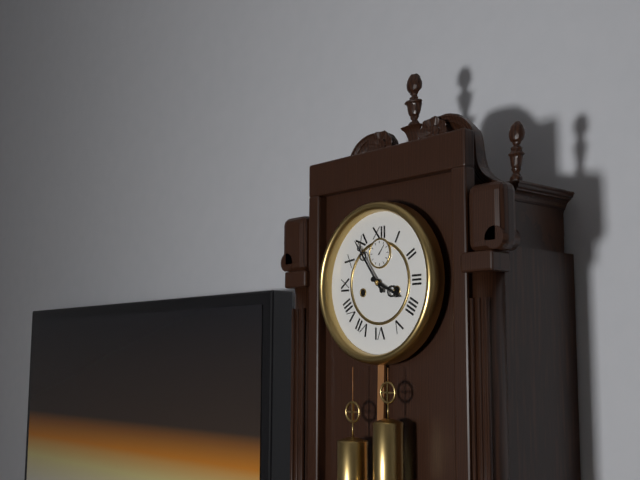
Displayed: 3 h 54 min
